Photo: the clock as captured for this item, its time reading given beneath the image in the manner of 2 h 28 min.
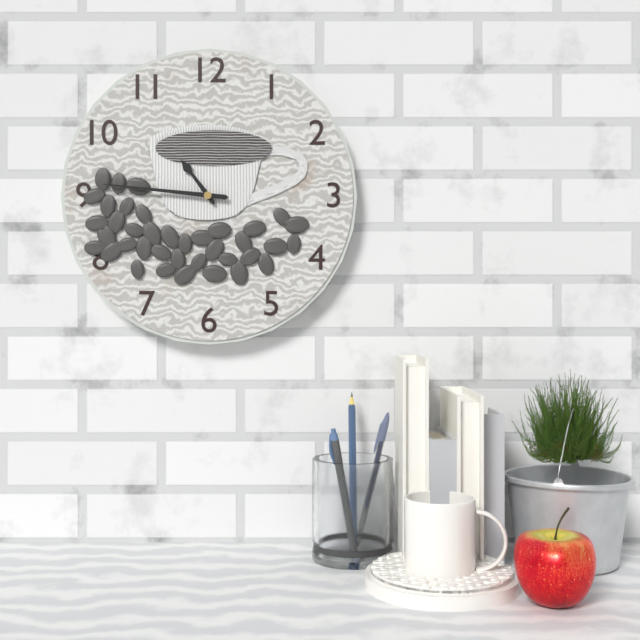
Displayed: 10 h 46 min
